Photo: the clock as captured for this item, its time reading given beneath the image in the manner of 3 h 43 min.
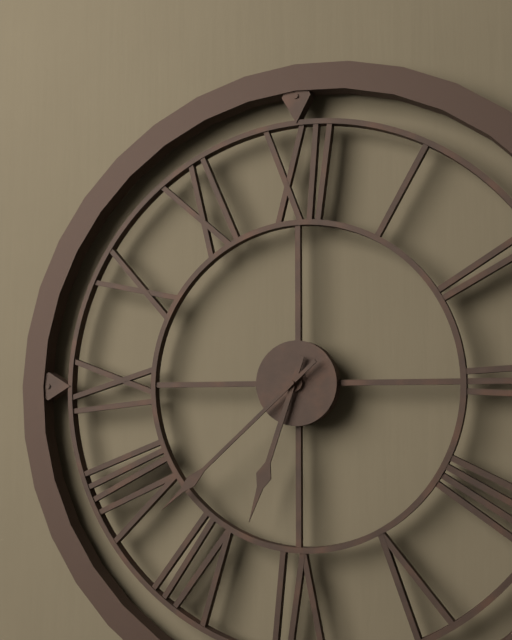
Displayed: 6 h 38 min
